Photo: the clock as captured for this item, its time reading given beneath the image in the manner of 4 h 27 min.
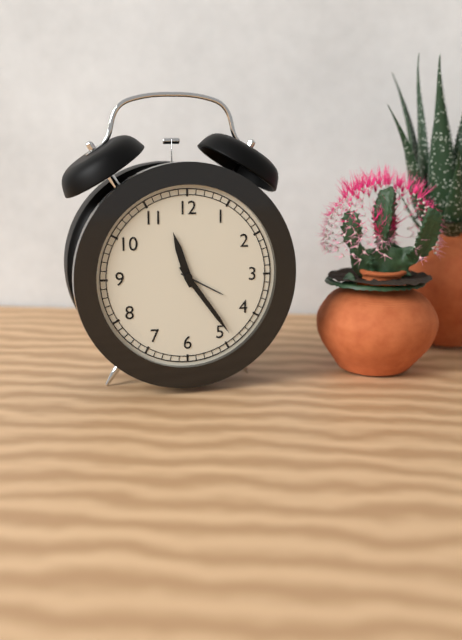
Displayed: 11 h 24 min
